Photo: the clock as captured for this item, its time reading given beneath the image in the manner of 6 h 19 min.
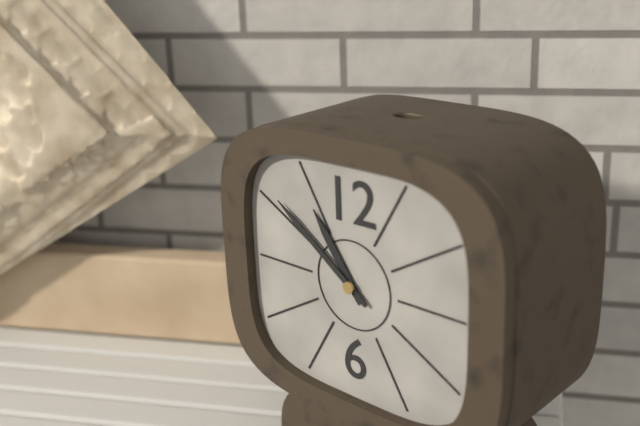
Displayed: 10 h 51 min
